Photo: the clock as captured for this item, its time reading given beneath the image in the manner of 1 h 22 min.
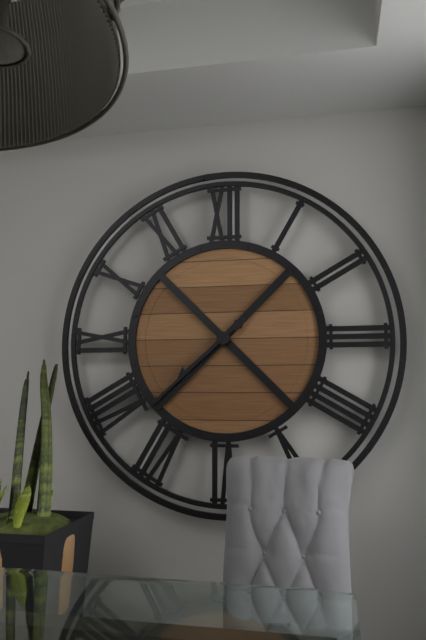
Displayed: 7 h 38 min
